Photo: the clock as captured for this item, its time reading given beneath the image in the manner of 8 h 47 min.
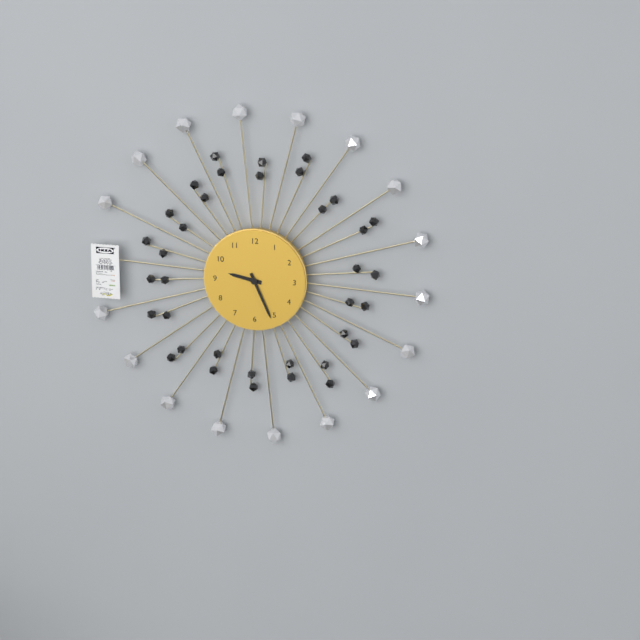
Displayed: 9 h 26 min
